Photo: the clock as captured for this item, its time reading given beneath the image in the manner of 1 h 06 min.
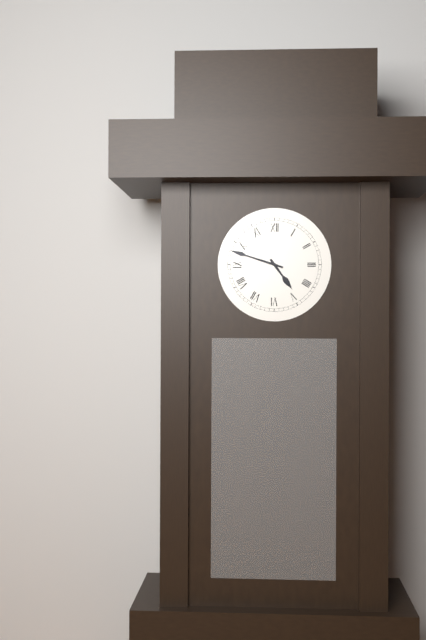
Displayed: 4 h 48 min
